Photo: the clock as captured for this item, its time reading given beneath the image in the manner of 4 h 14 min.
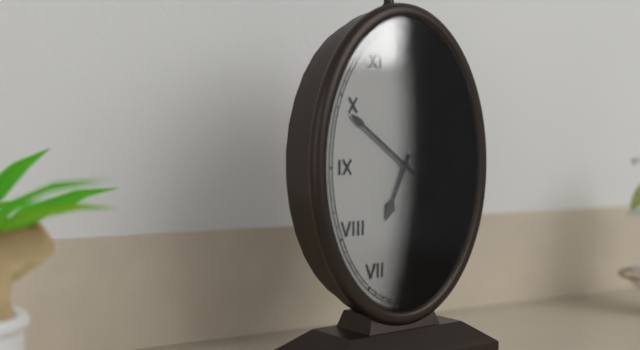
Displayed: 6 h 51 min
